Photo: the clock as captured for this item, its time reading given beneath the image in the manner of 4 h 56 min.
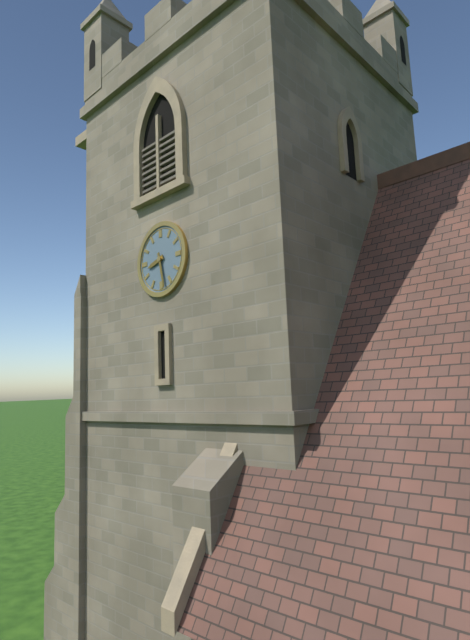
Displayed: 8 h 28 min
